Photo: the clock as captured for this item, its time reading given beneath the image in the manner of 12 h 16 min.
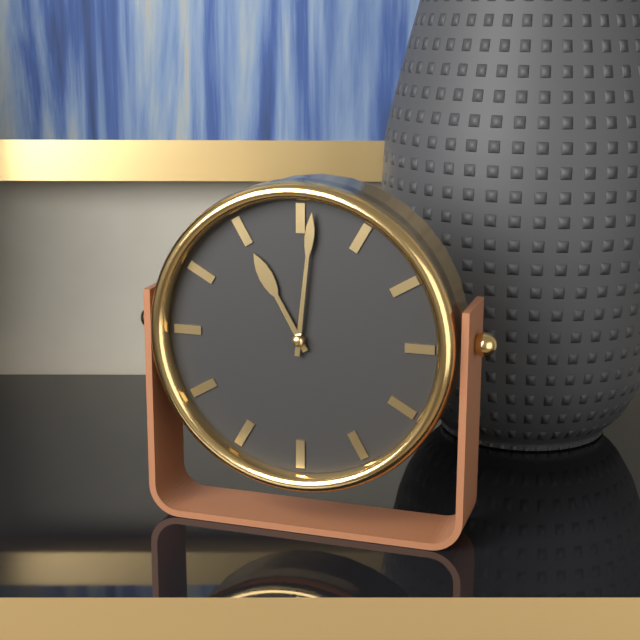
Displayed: 11 h 01 min
